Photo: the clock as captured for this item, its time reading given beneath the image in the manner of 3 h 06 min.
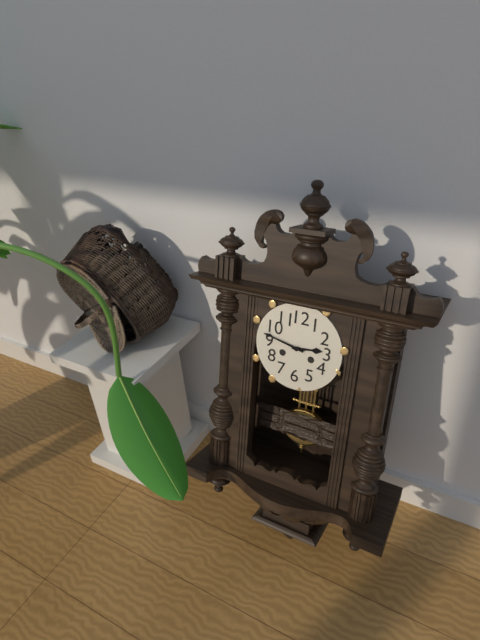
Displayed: 2 h 47 min
